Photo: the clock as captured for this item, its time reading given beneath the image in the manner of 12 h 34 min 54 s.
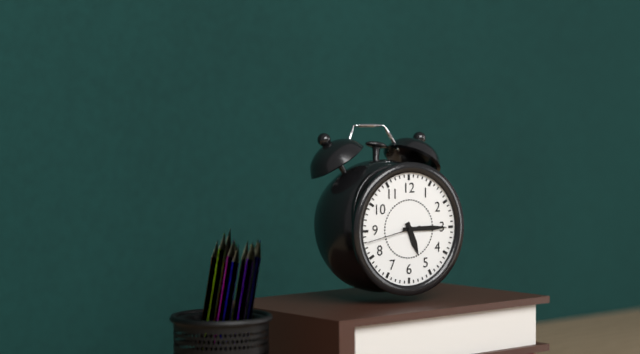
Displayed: 5 h 15 min 43 s
